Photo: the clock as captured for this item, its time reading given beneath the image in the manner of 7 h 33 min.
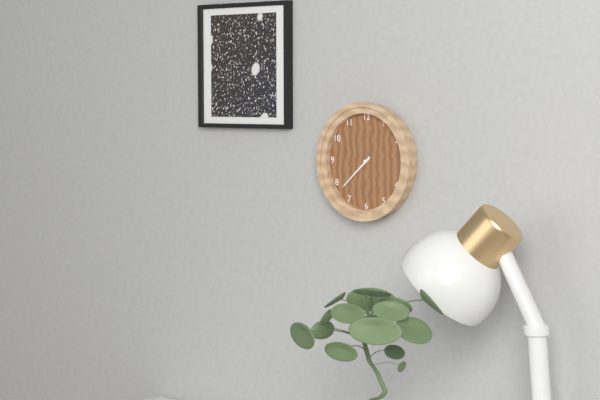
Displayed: 7 h 38 min
